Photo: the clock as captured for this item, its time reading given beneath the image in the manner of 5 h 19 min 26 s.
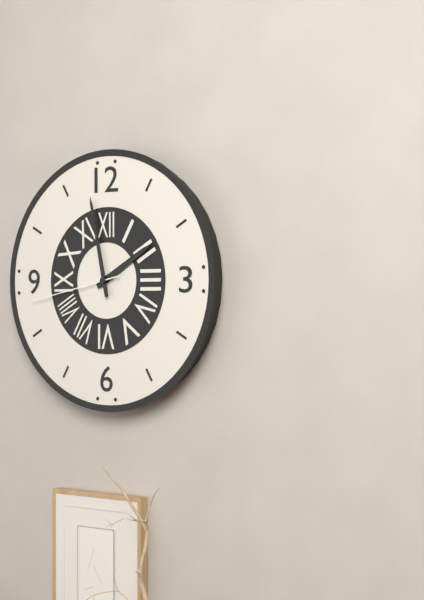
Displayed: 1 h 58 min 43 s
